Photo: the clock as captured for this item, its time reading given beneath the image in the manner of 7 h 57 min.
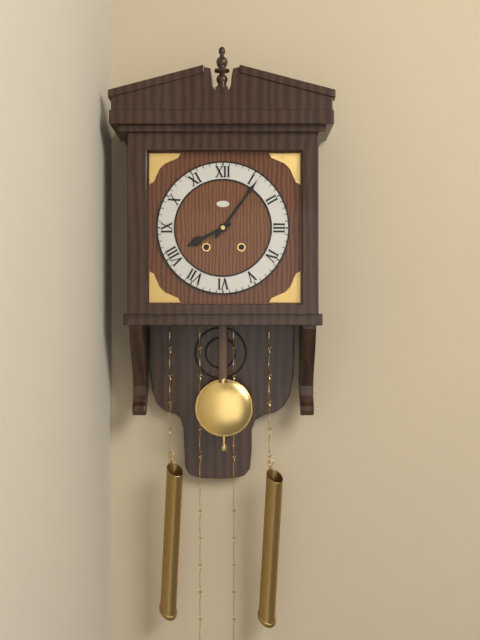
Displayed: 8 h 06 min
